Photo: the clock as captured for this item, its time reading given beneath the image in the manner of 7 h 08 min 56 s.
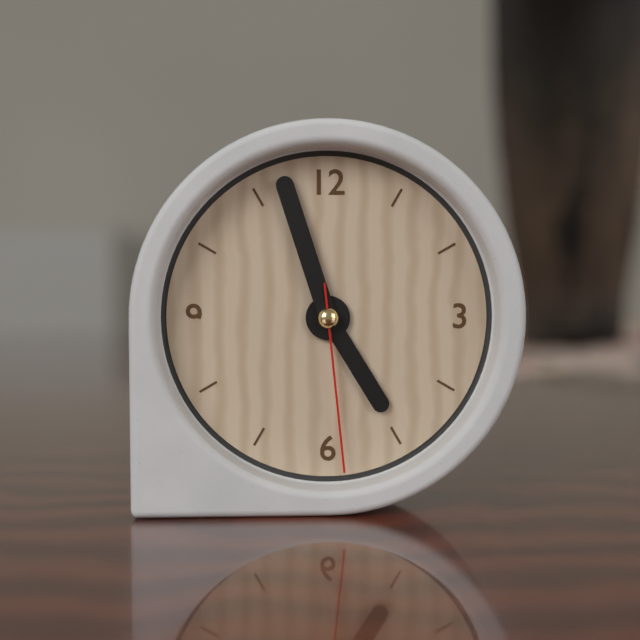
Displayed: 4 h 57 min 29 s
